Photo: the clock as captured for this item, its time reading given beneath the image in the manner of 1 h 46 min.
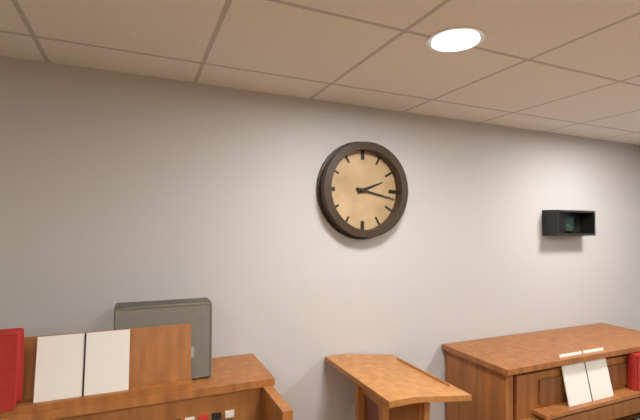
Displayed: 2 h 17 min
